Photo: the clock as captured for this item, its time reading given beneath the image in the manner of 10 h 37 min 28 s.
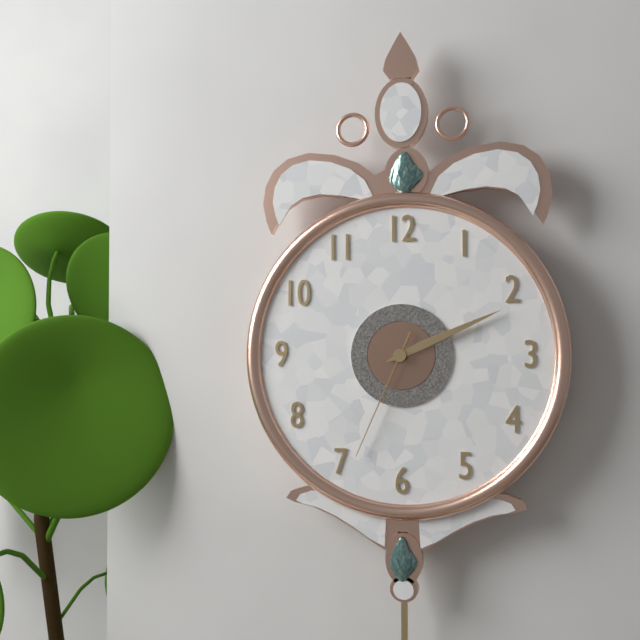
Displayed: 2 h 11 min 34 s
